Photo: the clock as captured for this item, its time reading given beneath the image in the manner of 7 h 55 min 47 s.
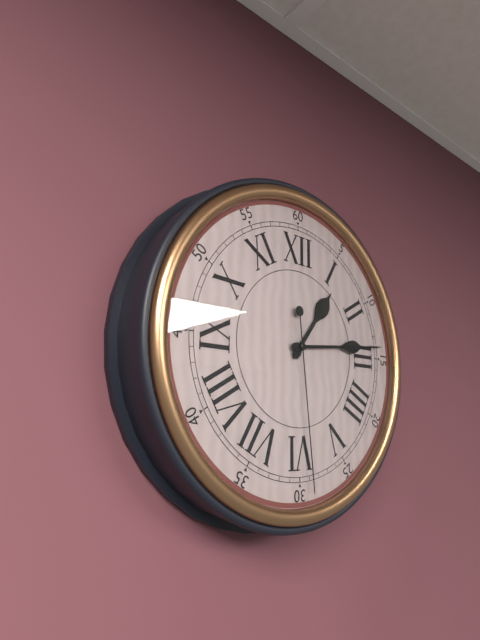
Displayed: 1 h 14 min 29 s
